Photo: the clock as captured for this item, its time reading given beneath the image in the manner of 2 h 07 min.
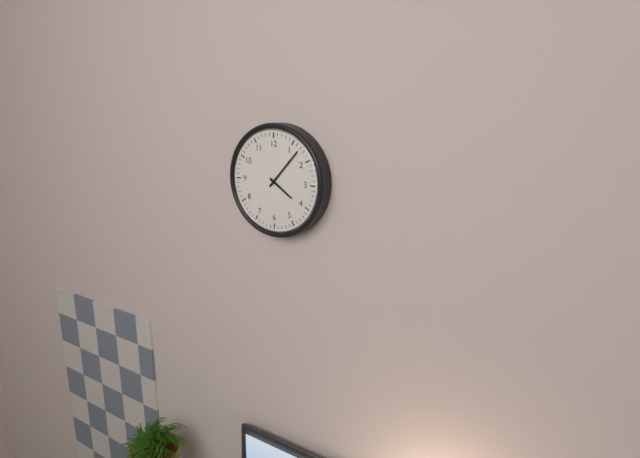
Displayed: 4 h 07 min
